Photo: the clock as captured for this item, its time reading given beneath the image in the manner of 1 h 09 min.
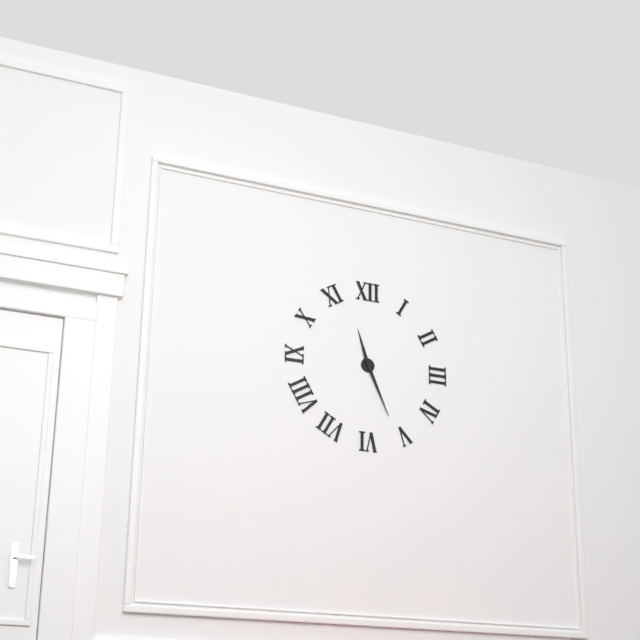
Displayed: 11 h 26 min
